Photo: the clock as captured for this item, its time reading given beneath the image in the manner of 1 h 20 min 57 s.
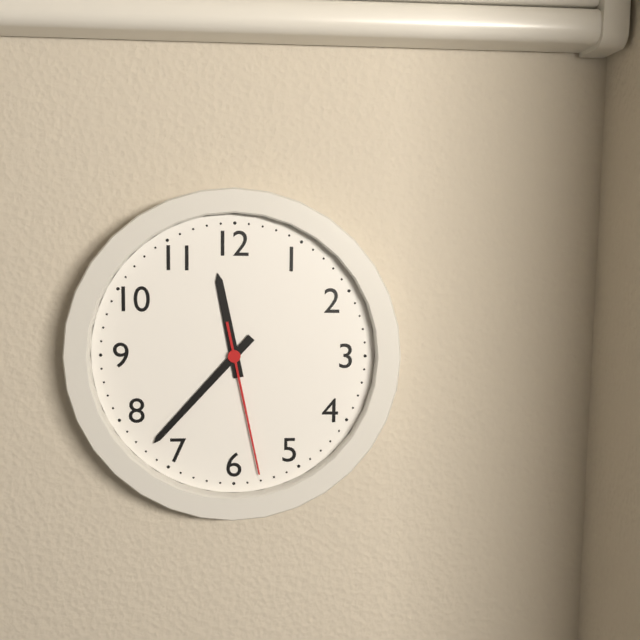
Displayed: 11 h 37 min 28 s
